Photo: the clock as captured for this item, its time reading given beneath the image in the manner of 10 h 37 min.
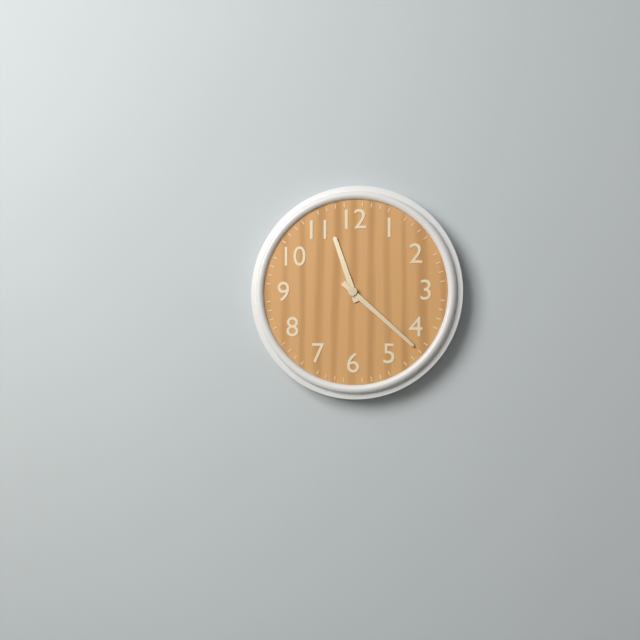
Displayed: 11 h 22 min
